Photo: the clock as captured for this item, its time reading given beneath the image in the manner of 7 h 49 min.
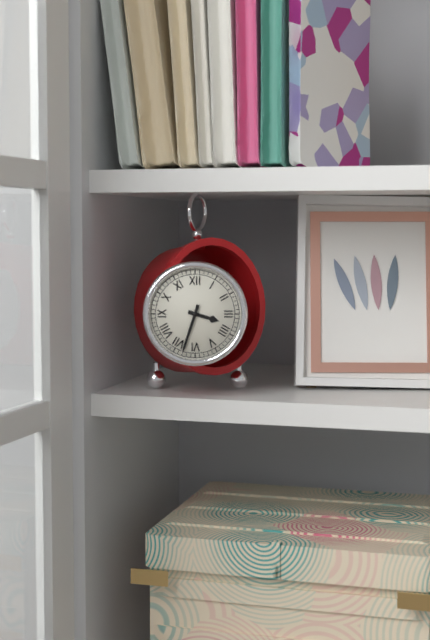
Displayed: 3 h 33 min
